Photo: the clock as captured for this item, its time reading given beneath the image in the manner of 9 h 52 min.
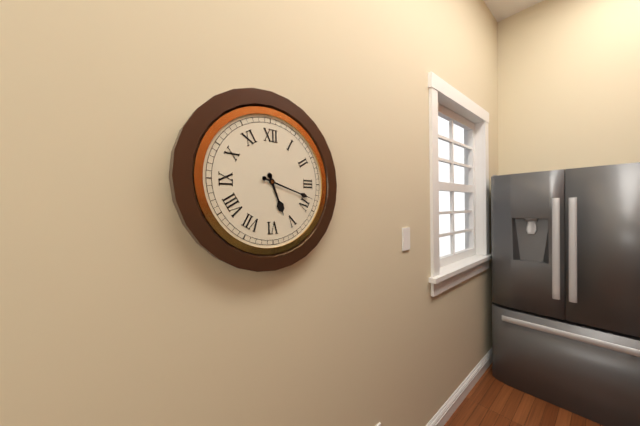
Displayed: 5 h 18 min
